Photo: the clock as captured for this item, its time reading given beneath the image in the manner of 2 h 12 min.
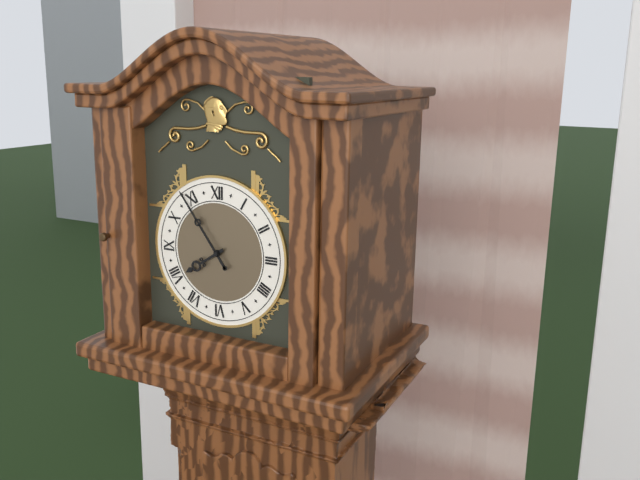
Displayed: 7 h 54 min
